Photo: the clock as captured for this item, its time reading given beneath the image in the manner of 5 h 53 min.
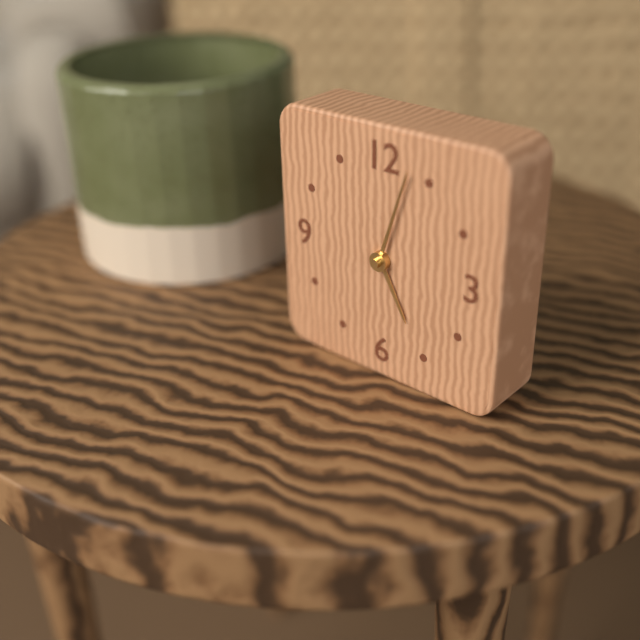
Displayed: 5 h 03 min
